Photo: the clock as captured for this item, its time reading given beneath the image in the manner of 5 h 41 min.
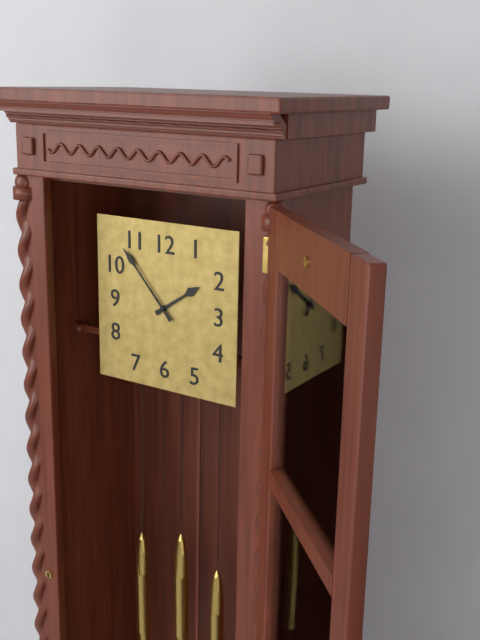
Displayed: 1 h 53 min
